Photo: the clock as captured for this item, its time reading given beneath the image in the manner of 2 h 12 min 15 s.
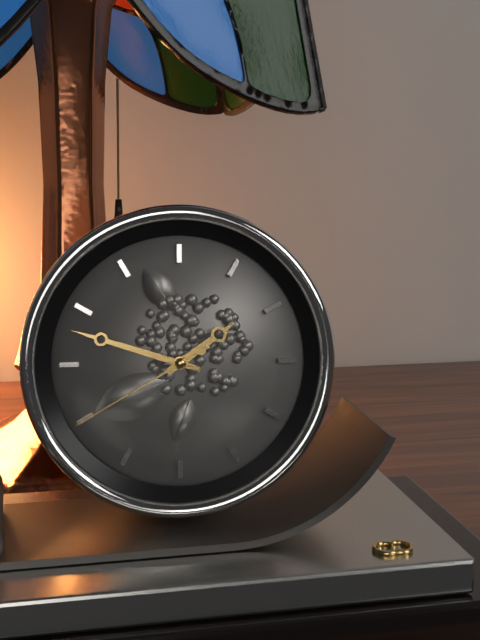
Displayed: 1 h 48 min 40 s
